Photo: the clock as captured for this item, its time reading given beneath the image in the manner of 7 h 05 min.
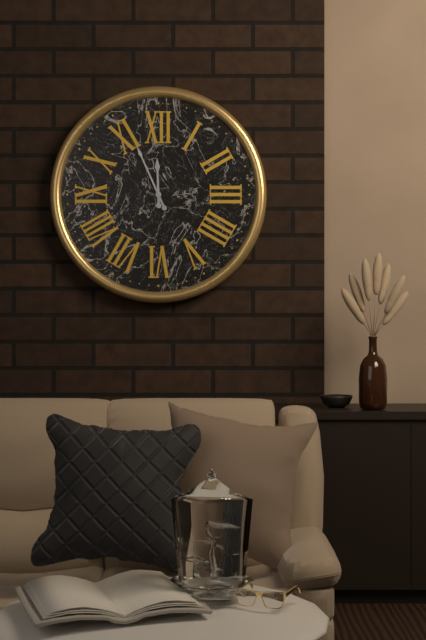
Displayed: 11 h 56 min
